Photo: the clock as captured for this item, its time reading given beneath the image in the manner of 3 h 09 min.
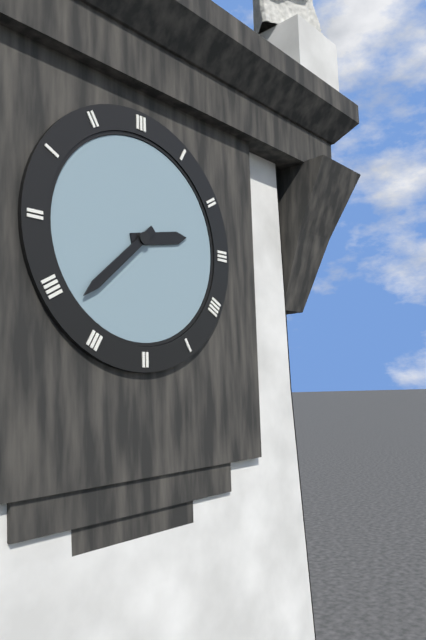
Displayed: 2 h 38 min
